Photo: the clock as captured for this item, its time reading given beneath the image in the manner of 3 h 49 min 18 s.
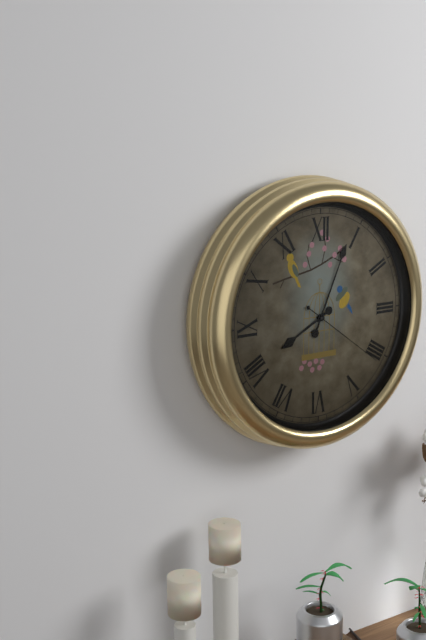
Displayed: 8 h 04 min 21 s
